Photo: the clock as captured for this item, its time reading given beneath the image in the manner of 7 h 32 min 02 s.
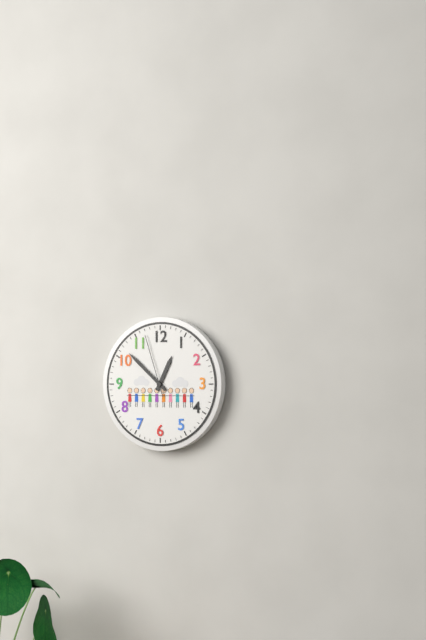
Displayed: 12 h 52 min 57 s
